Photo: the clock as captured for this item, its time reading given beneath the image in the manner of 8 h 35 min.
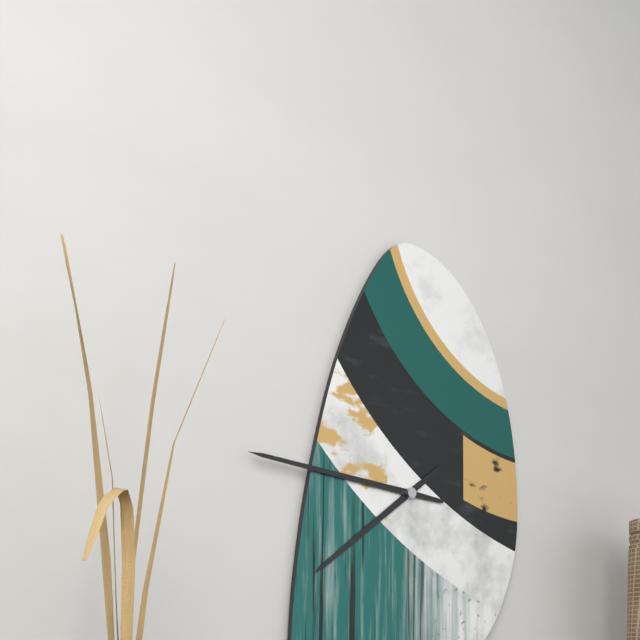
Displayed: 7 h 46 min
